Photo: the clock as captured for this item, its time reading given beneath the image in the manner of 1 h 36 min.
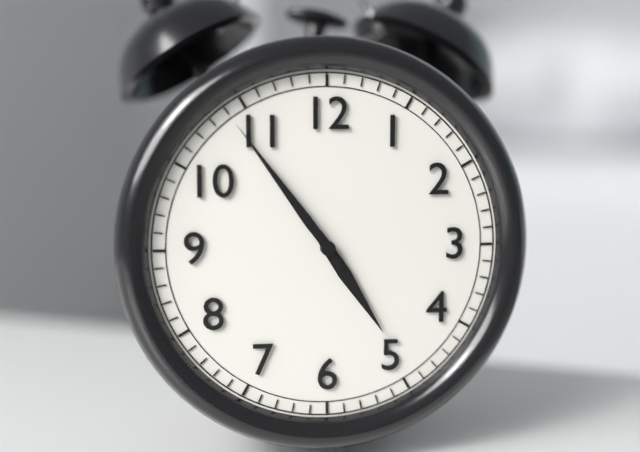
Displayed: 4 h 54 min
